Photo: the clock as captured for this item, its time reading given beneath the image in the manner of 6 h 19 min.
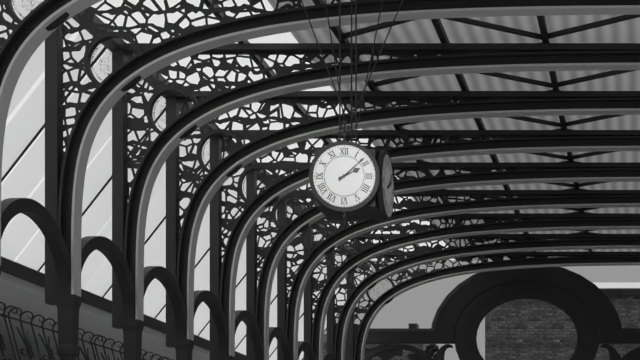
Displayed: 2 h 08 min
